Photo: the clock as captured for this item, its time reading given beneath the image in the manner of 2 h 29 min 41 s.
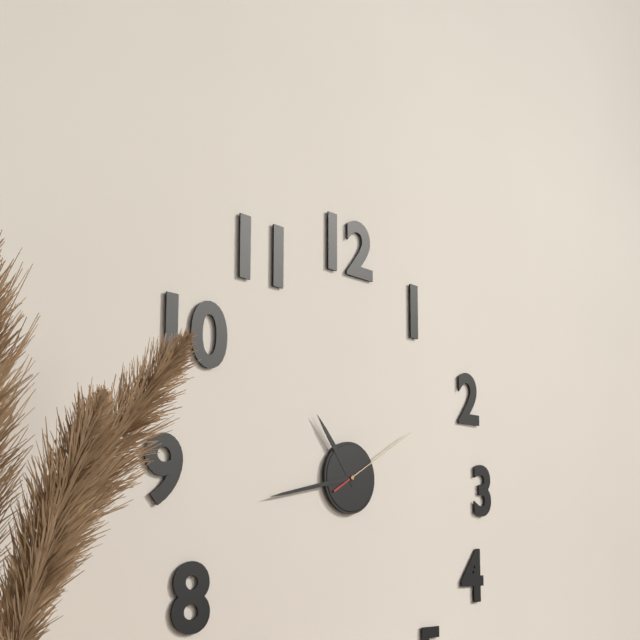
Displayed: 10 h 43 min 10 s
